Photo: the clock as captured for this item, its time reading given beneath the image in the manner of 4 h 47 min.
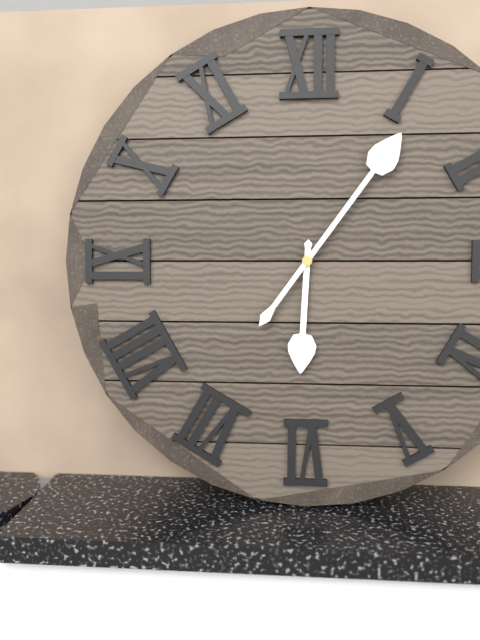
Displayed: 6 h 06 min
